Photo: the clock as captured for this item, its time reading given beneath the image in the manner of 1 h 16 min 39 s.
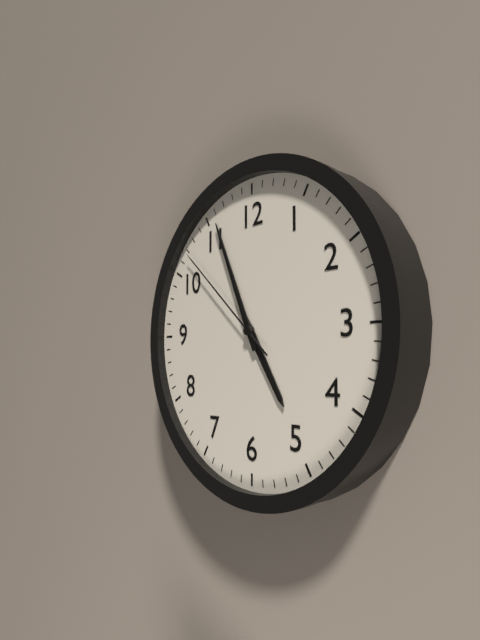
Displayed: 4 h 56 min 52 s
